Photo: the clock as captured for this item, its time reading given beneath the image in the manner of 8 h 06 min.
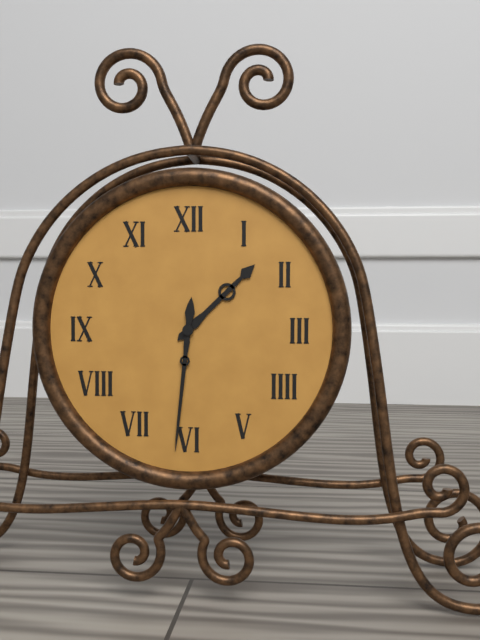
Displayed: 1 h 31 min
